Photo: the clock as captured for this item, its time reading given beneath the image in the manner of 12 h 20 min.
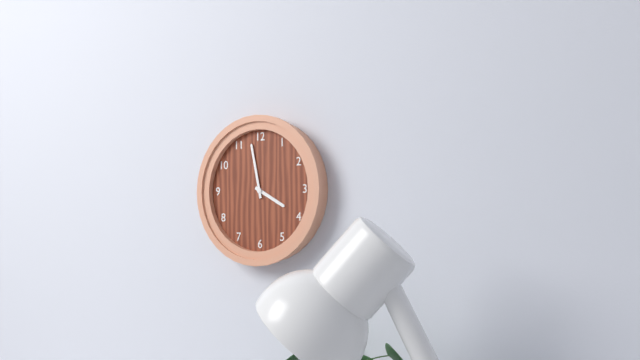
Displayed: 3 h 58 min
